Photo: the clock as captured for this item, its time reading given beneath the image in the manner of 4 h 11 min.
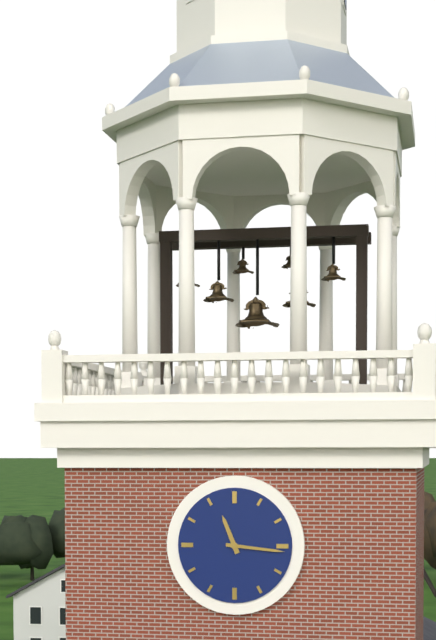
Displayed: 11 h 16 min
